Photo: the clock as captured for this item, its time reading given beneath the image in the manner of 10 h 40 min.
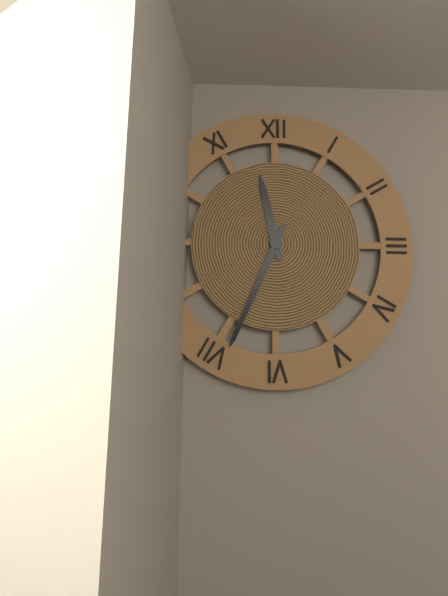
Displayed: 11 h 34 min
